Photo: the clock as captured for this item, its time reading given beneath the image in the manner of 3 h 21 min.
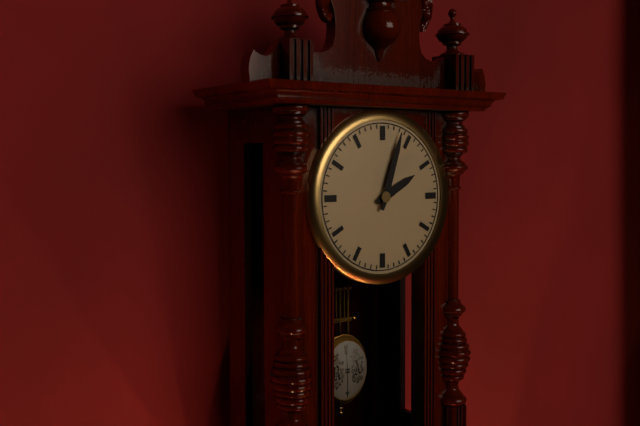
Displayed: 2 h 03 min
